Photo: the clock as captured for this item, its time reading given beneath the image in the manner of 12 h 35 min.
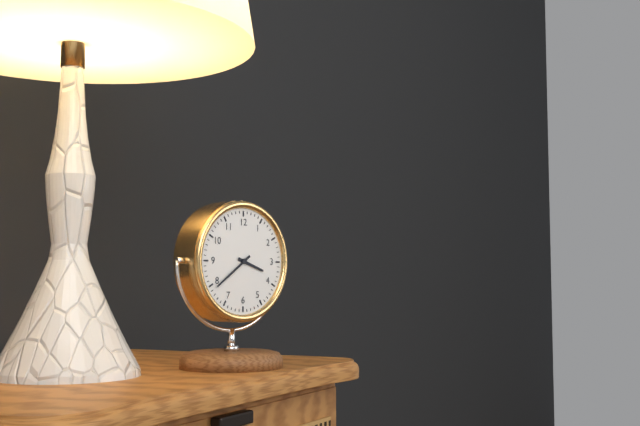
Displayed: 3 h 39 min
